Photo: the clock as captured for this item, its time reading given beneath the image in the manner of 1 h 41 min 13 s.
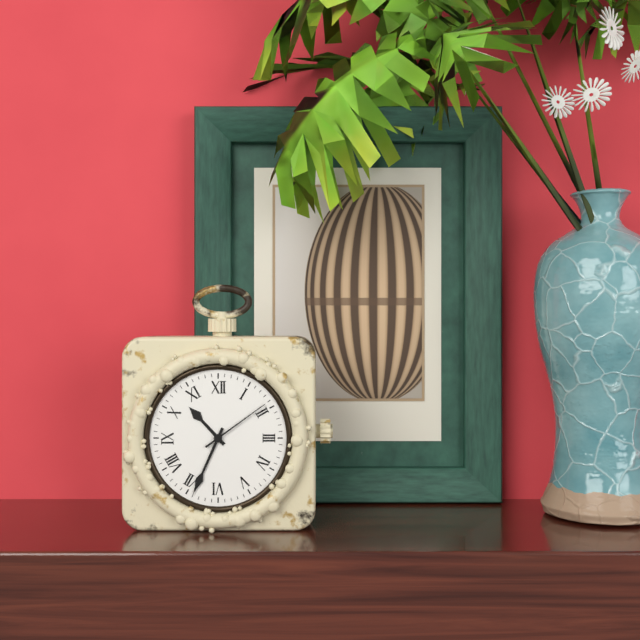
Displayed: 10 h 34 min 09 s
